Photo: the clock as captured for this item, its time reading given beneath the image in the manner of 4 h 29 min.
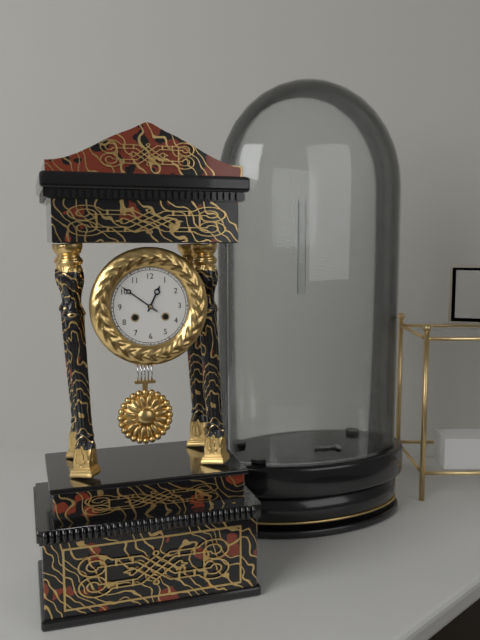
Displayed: 12 h 51 min
